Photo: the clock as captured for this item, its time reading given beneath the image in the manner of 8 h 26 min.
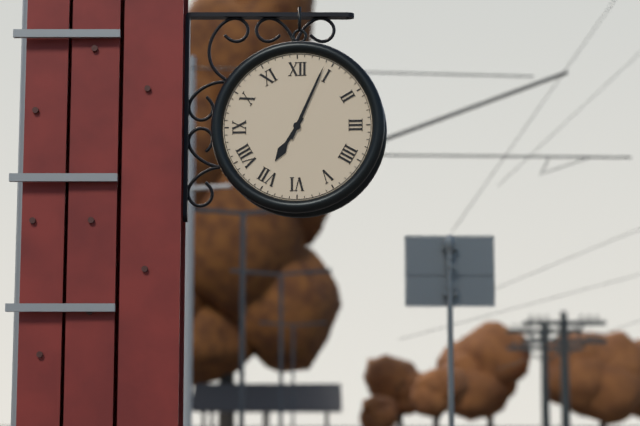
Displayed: 7 h 04 min
